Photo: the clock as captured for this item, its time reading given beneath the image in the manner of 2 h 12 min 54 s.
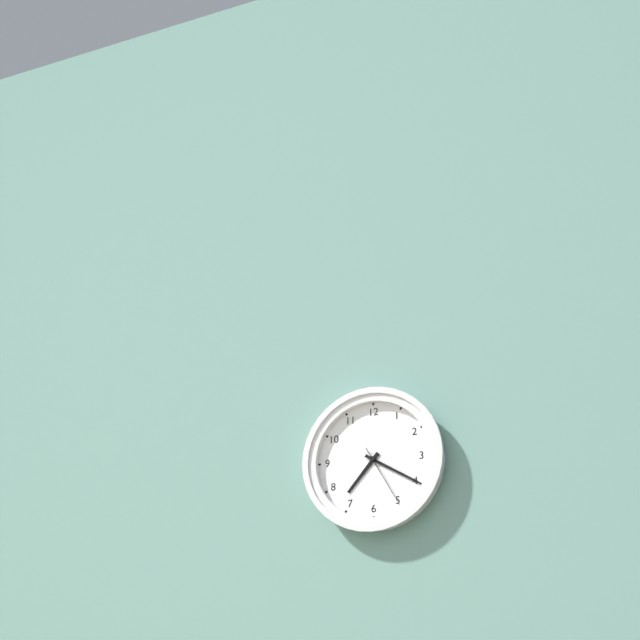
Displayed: 7 h 20 min 25 s
